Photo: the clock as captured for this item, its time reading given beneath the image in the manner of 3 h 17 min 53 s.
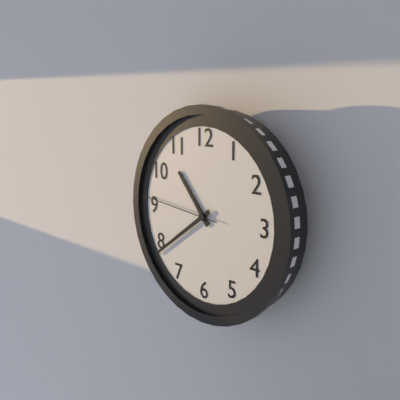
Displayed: 10 h 39 min 46 s
